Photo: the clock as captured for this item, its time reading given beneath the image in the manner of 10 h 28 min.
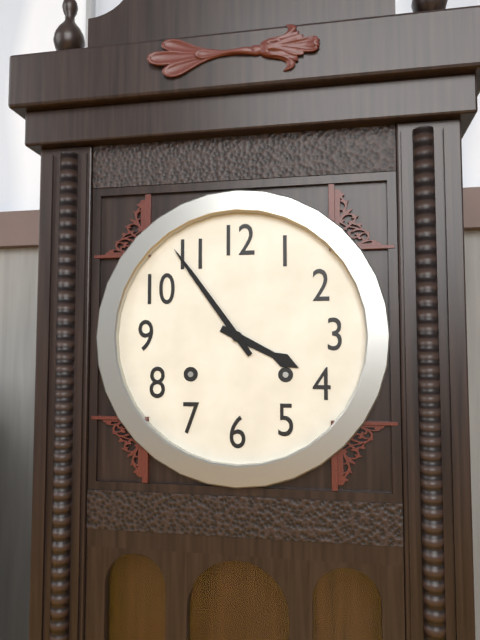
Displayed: 3 h 54 min
